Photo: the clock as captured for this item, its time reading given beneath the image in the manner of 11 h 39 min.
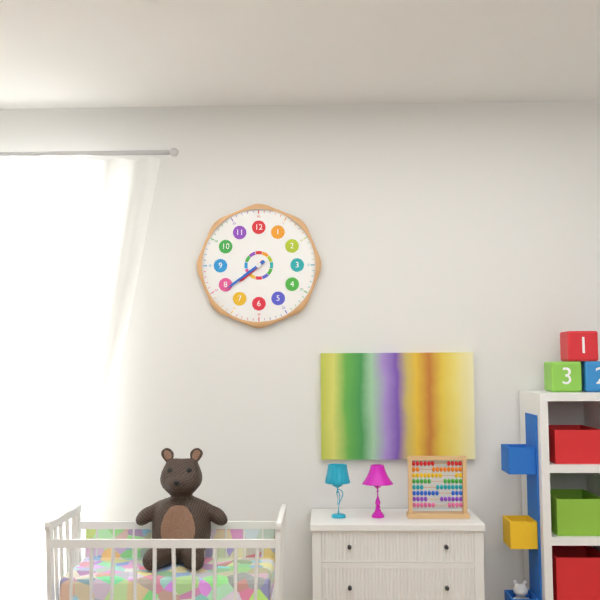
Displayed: 7 h 39 min
